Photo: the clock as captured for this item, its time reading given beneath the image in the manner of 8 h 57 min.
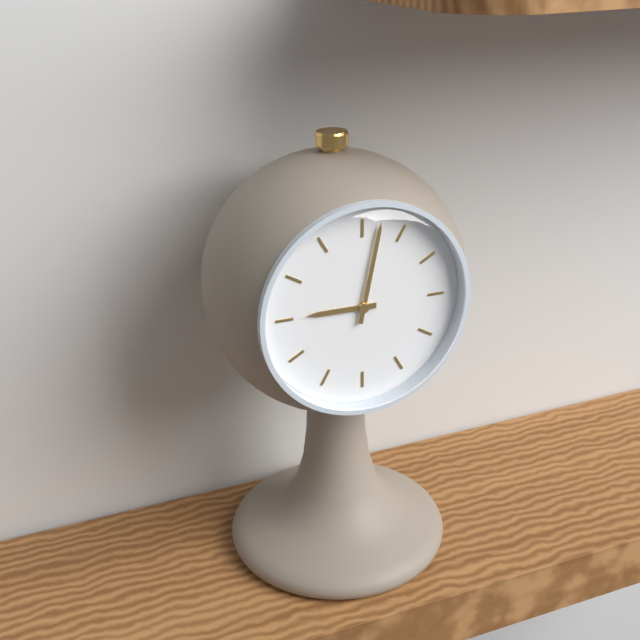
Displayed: 9 h 02 min
